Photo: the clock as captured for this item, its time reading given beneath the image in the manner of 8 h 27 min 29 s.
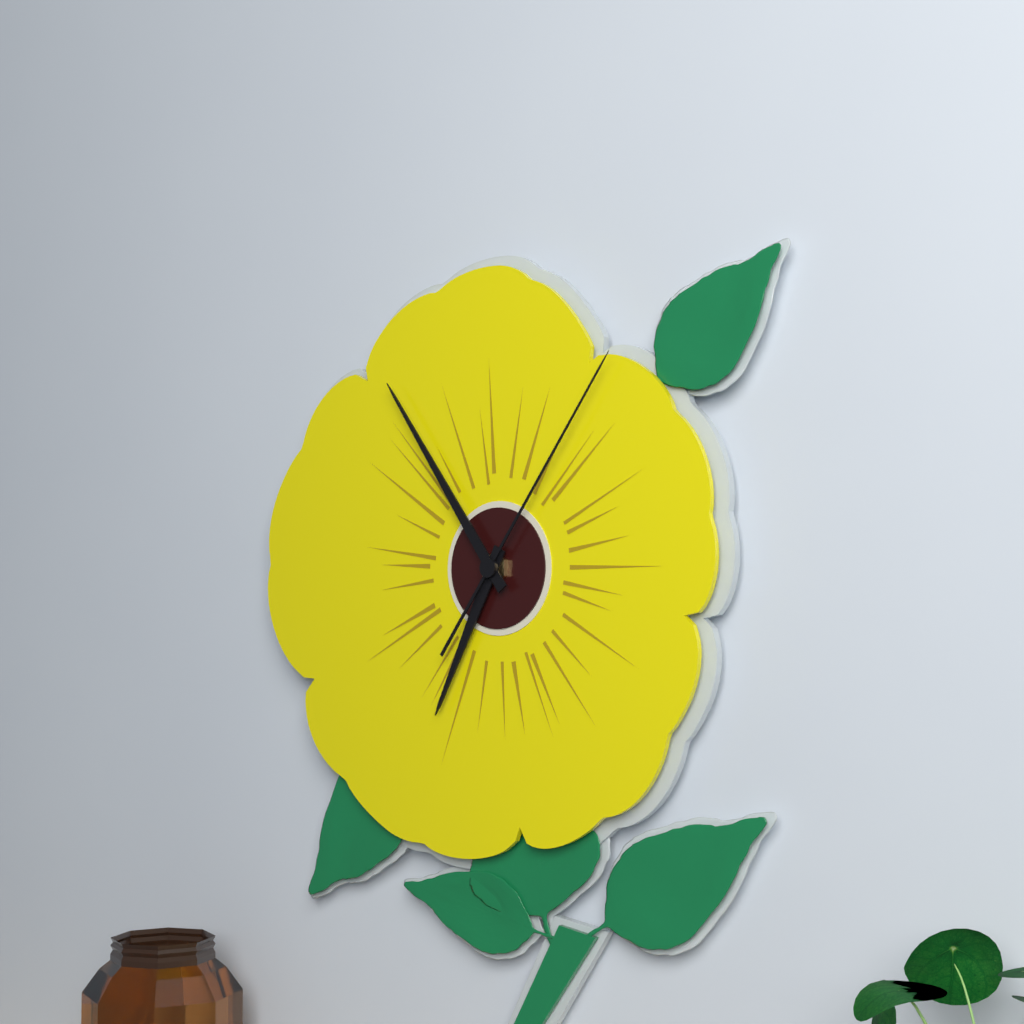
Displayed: 6 h 54 min 06 s
